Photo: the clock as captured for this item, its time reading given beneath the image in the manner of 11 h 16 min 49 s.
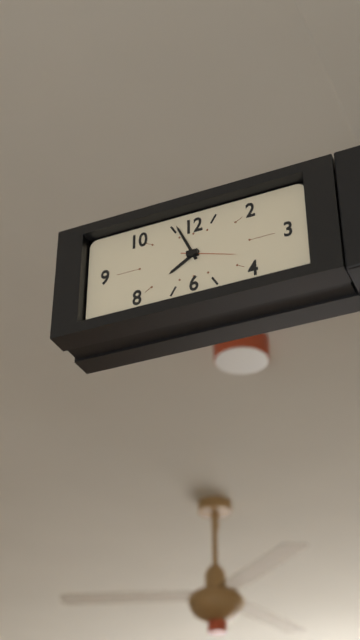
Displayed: 7 h 56 min 18 s
